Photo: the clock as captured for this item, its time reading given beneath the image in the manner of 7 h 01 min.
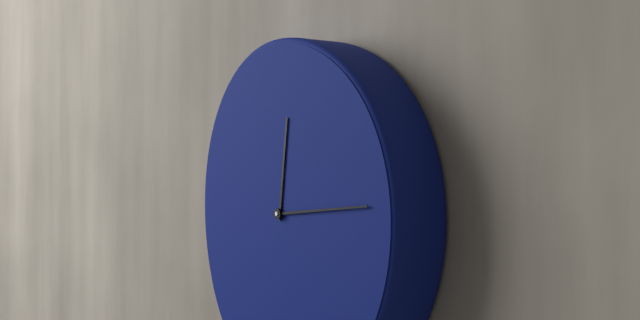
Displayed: 12 h 14 min
